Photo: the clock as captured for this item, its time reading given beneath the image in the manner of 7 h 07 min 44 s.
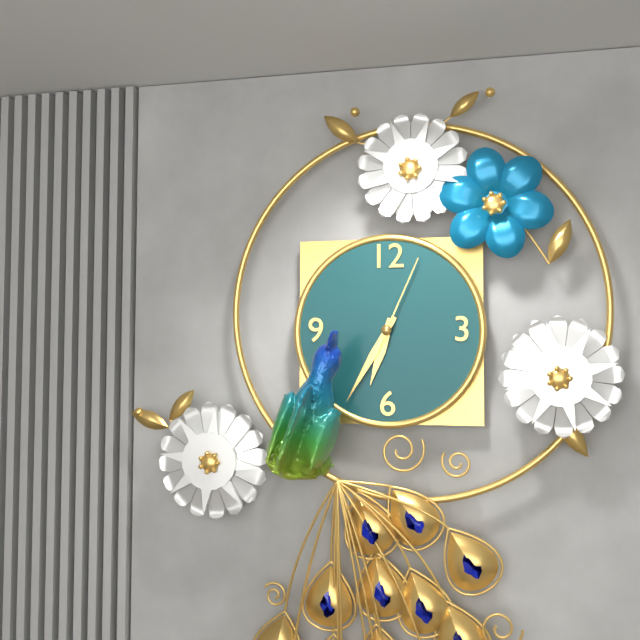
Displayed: 6 h 35 min 04 s
